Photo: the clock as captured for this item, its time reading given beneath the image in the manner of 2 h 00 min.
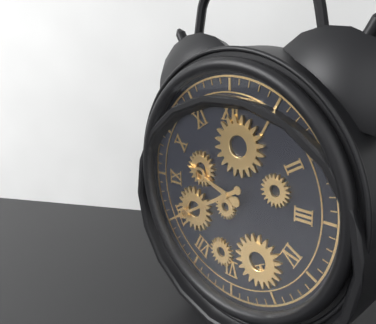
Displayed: 9 h 40 min
